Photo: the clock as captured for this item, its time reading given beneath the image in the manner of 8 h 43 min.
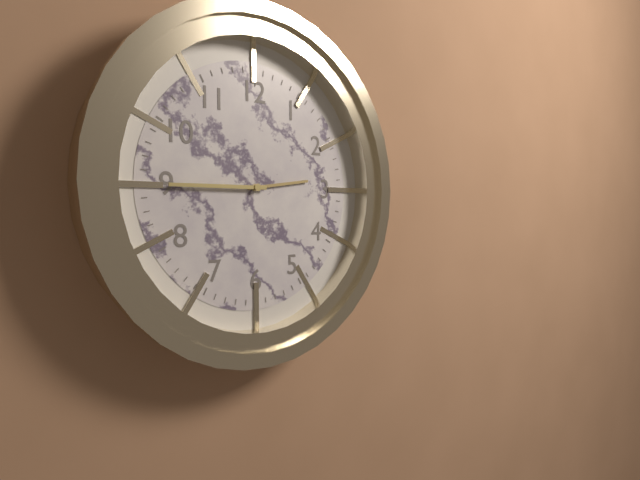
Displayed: 2 h 45 min
